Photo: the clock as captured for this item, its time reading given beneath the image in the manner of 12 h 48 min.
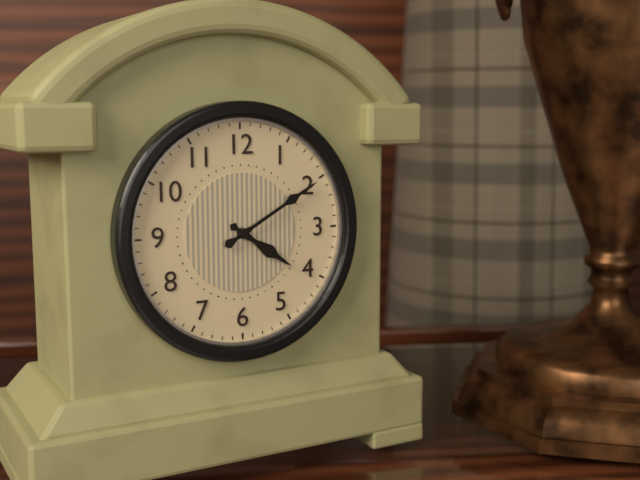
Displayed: 4 h 10 min
